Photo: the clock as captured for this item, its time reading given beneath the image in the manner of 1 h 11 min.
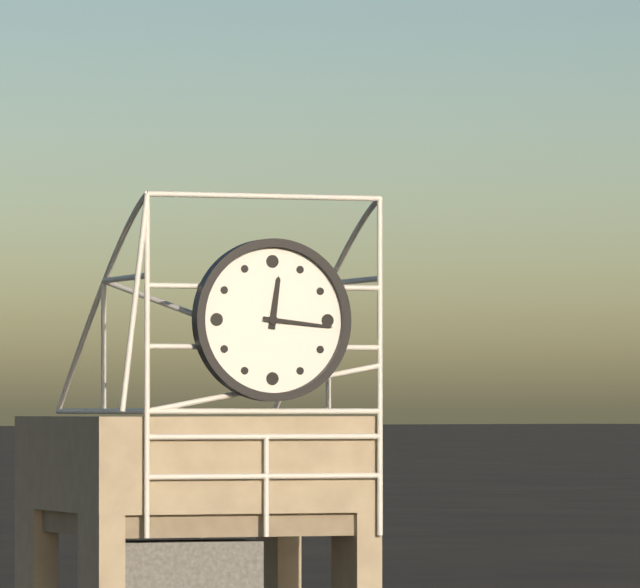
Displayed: 12 h 16 min
